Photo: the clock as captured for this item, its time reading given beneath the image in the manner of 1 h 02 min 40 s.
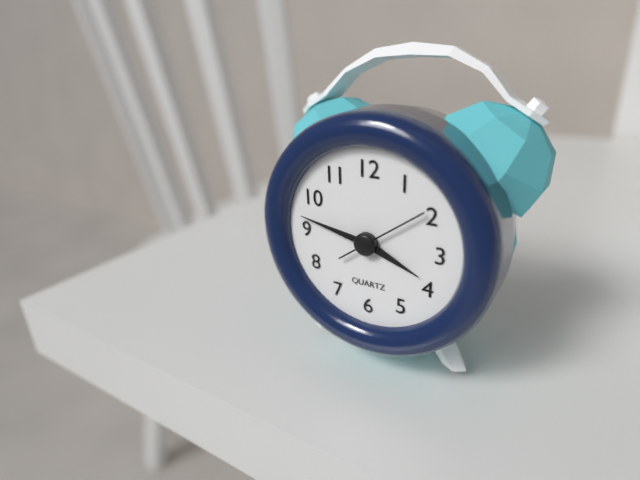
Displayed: 3 h 47 min 09 s
